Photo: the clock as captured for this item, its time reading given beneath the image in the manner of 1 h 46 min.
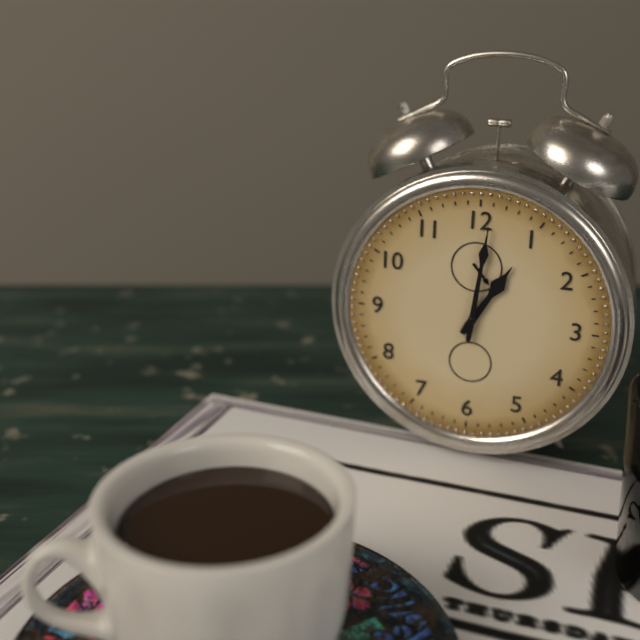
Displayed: 1 h 01 min
